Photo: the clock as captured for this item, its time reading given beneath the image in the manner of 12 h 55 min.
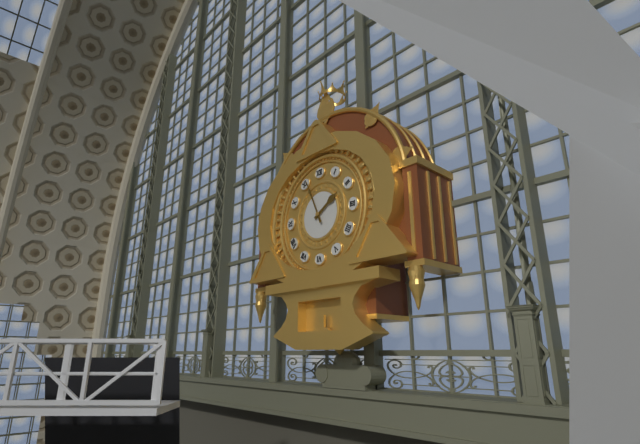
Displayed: 1 h 56 min
